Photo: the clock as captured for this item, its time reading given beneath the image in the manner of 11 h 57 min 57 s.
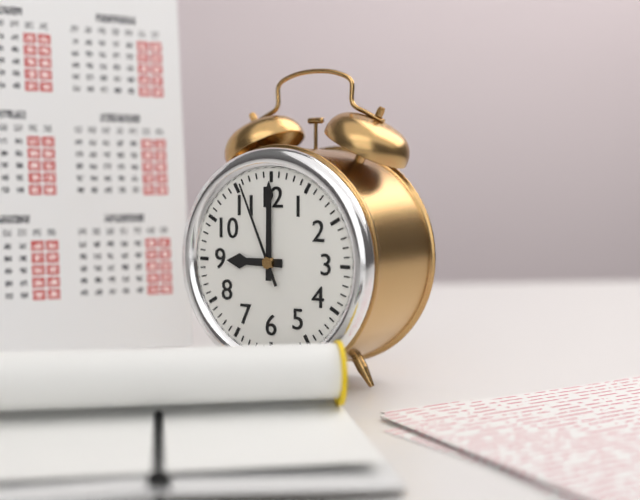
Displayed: 9 h 00 min 56 s
